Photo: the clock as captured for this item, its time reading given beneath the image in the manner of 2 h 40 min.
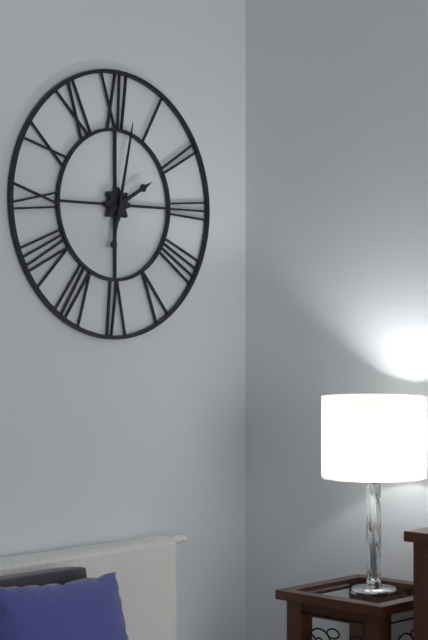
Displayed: 2 h 02 min
